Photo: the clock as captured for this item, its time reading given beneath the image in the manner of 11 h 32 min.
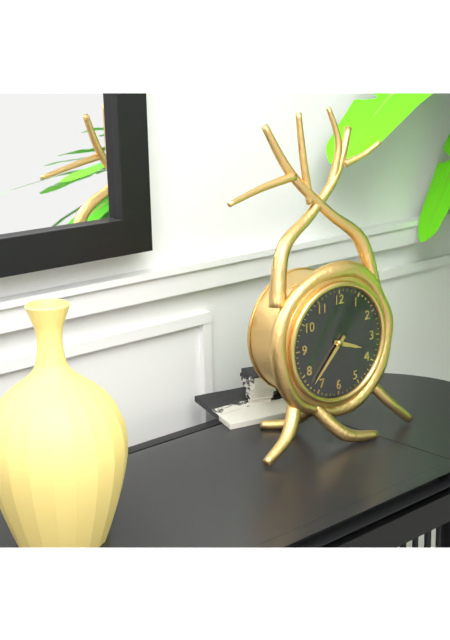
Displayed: 3 h 37 min
